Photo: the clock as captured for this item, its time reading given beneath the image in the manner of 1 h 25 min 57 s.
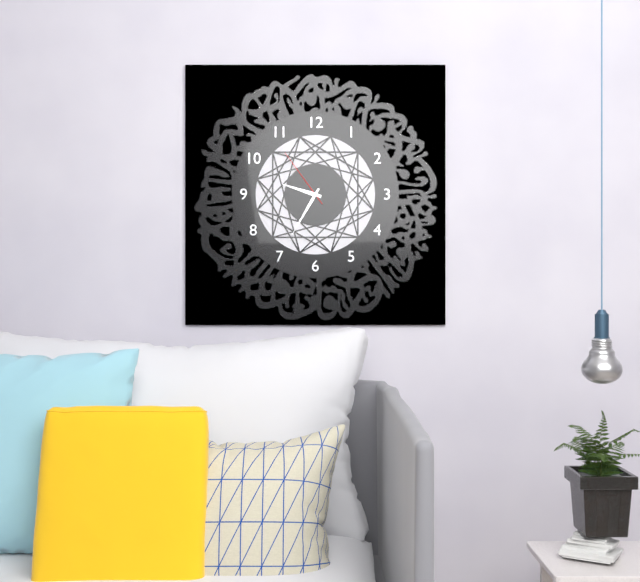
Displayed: 9 h 35 min 54 s
